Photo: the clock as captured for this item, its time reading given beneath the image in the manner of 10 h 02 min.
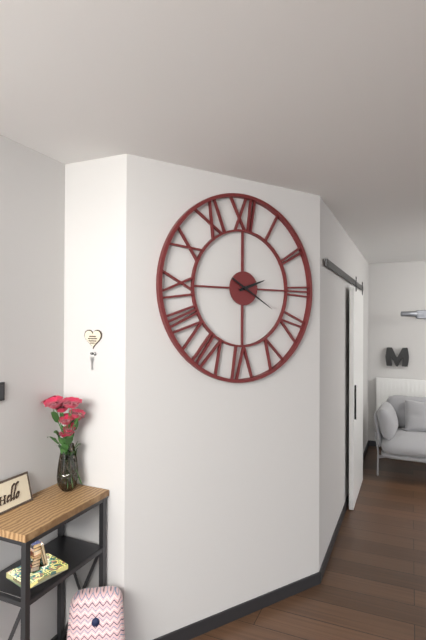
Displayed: 2 h 20 min
